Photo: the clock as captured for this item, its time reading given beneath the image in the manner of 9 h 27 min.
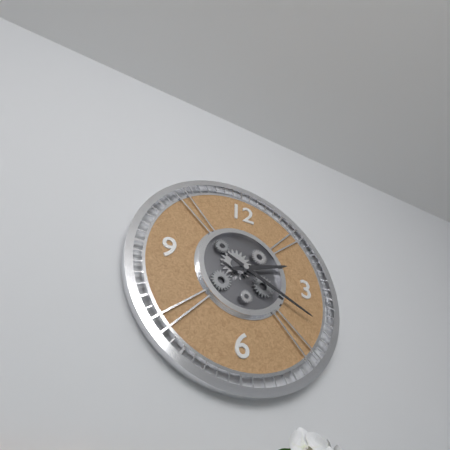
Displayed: 2 h 19 min
